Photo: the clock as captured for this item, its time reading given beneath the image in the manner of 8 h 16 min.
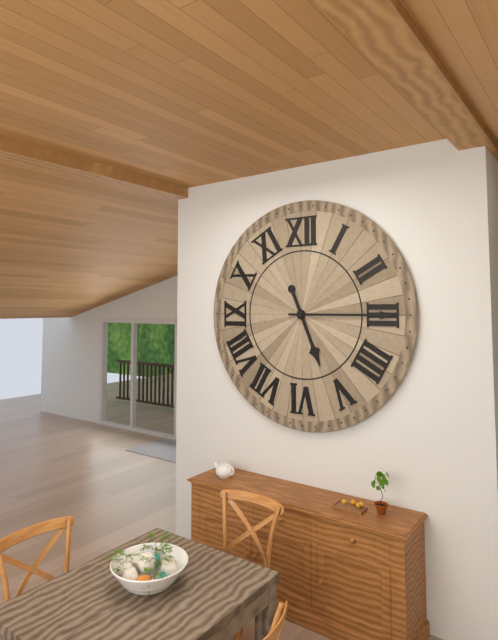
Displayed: 5 h 15 min
